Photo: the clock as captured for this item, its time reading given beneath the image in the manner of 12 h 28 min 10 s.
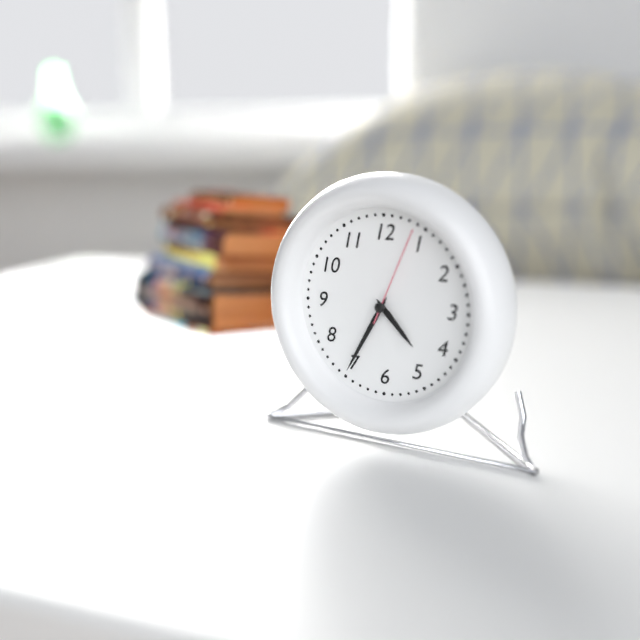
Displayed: 4 h 35 min 04 s
